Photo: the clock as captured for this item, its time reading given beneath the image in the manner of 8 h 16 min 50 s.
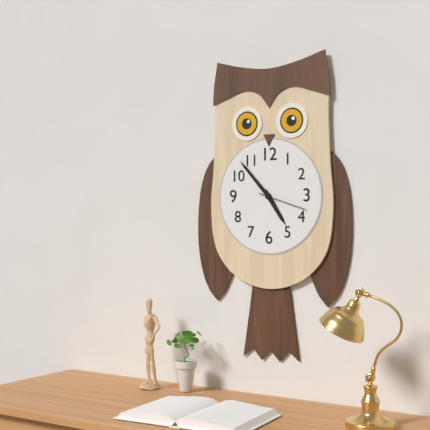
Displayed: 4 h 53 min 18 s
